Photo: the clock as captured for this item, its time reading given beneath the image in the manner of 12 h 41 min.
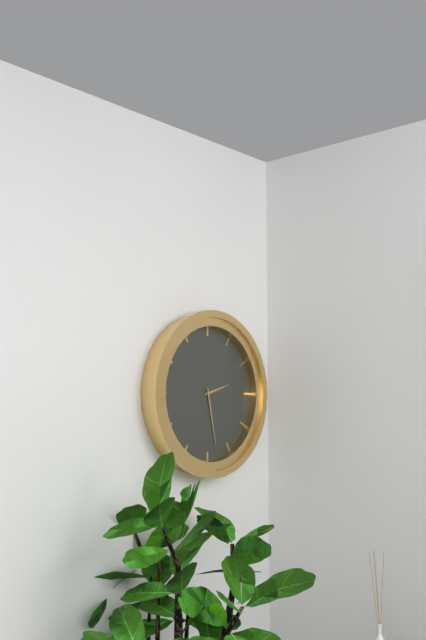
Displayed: 2 h 28 min
